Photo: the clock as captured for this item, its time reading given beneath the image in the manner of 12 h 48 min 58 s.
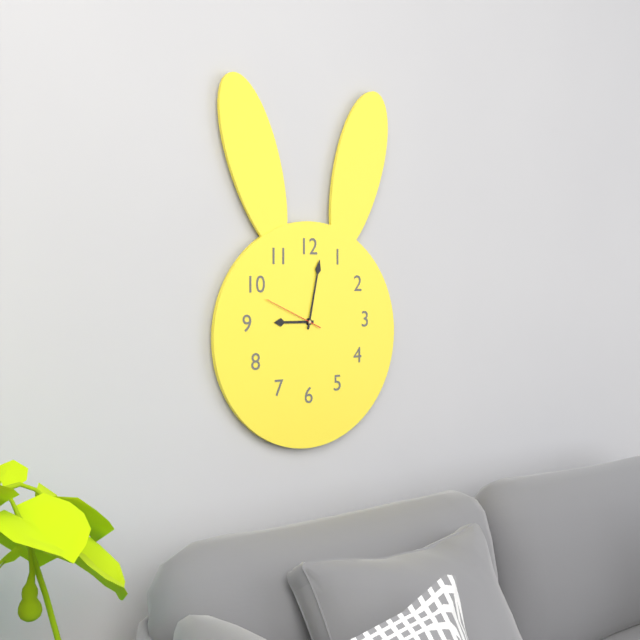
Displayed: 9 h 02 min 49 s
